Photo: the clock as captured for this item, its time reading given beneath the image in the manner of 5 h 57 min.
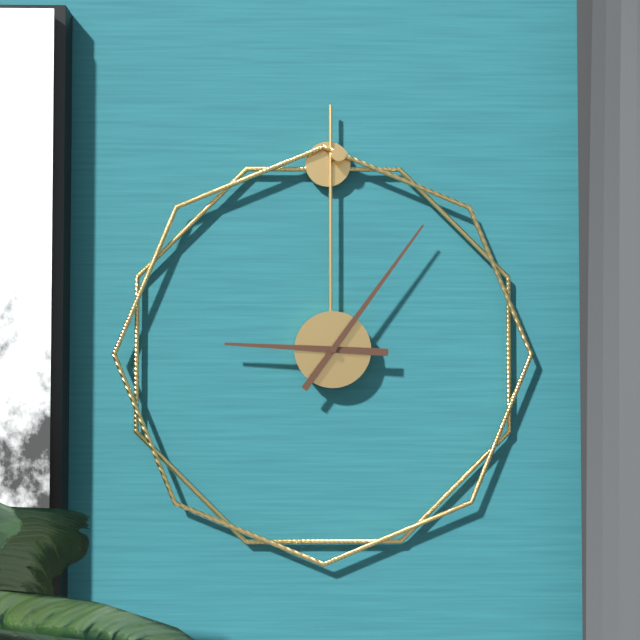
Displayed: 9 h 06 min
